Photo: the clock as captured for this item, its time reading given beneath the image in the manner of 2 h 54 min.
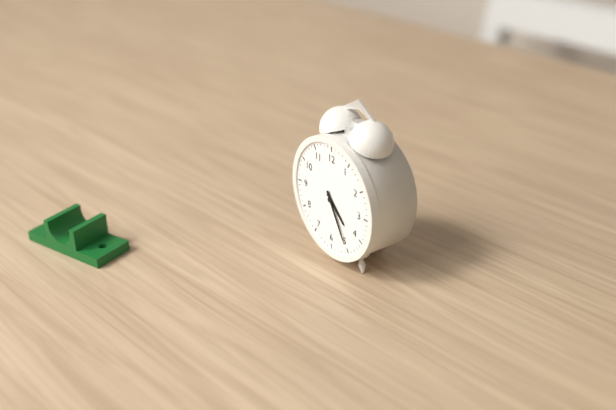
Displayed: 4 h 25 min
